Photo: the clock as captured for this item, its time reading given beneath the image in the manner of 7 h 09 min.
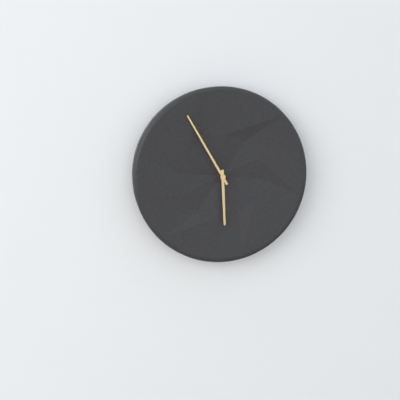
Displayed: 5 h 55 min
